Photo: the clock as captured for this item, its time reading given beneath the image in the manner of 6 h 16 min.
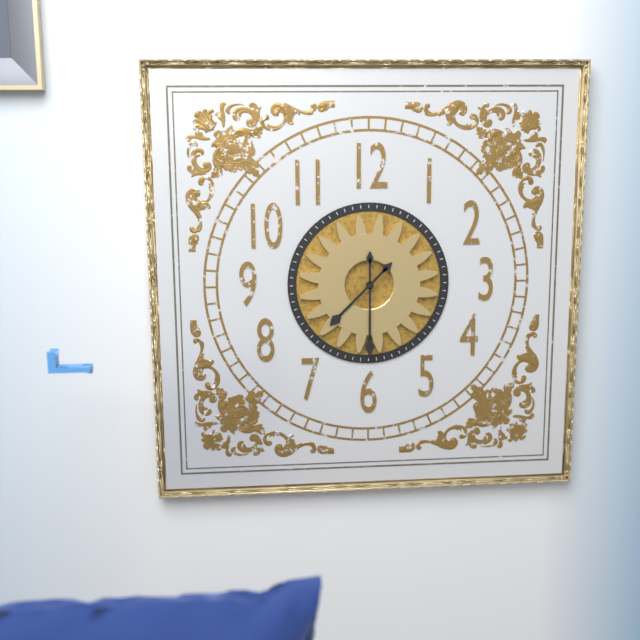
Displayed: 7 h 30 min
